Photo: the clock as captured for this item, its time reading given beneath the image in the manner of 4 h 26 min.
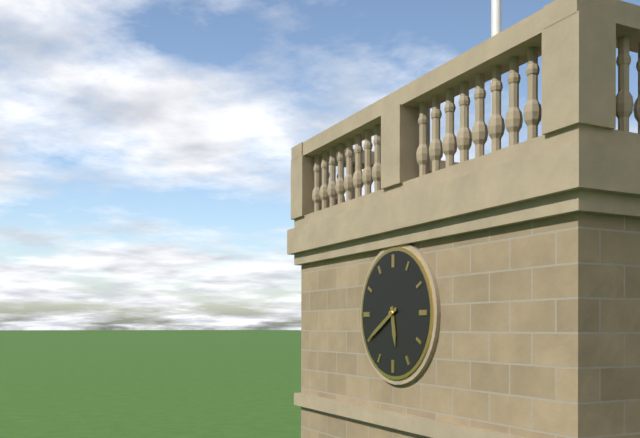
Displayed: 5 h 40 min
